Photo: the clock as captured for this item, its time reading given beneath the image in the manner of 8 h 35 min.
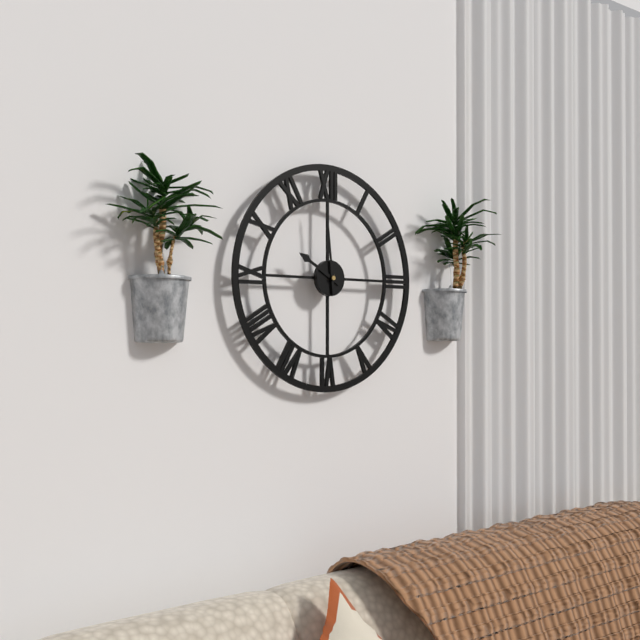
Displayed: 9 h 59 min
